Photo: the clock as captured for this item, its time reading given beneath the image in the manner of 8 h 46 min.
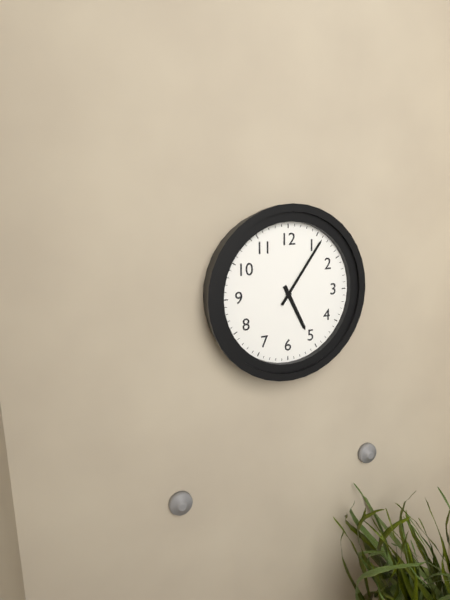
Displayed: 5 h 06 min
